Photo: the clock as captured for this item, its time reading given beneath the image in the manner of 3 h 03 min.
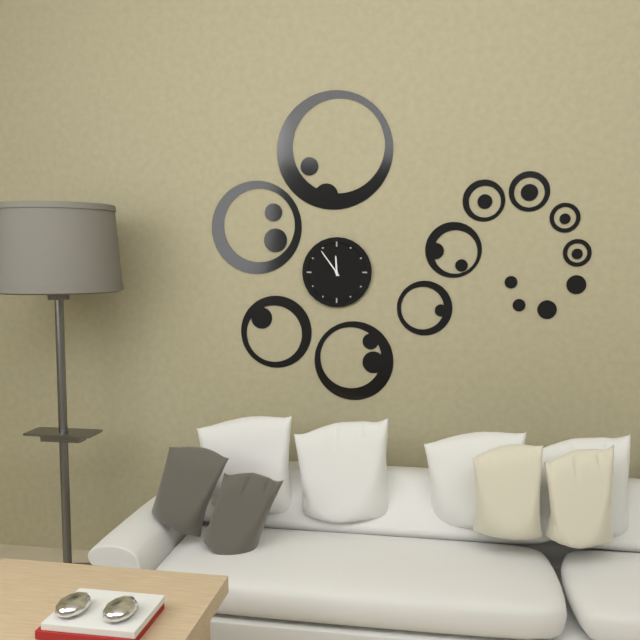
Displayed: 11 h 54 min
